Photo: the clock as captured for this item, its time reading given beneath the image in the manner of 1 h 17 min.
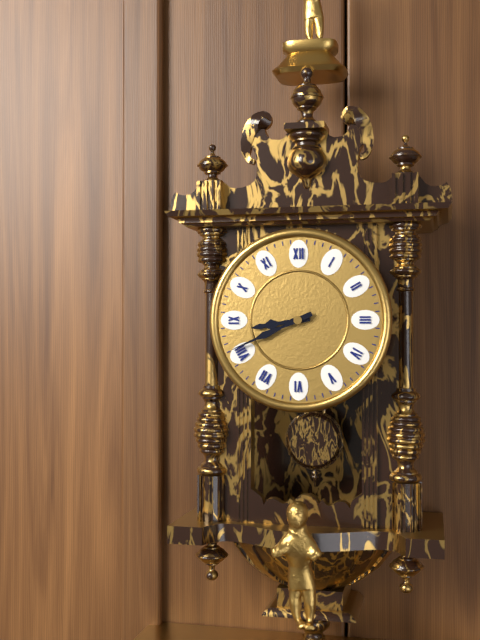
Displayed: 8 h 41 min
